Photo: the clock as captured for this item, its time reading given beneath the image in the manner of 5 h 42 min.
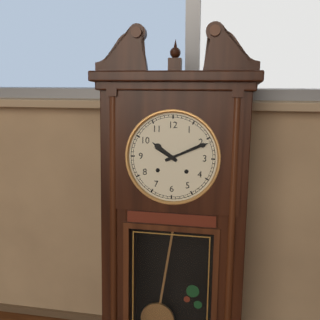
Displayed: 10 h 11 min
